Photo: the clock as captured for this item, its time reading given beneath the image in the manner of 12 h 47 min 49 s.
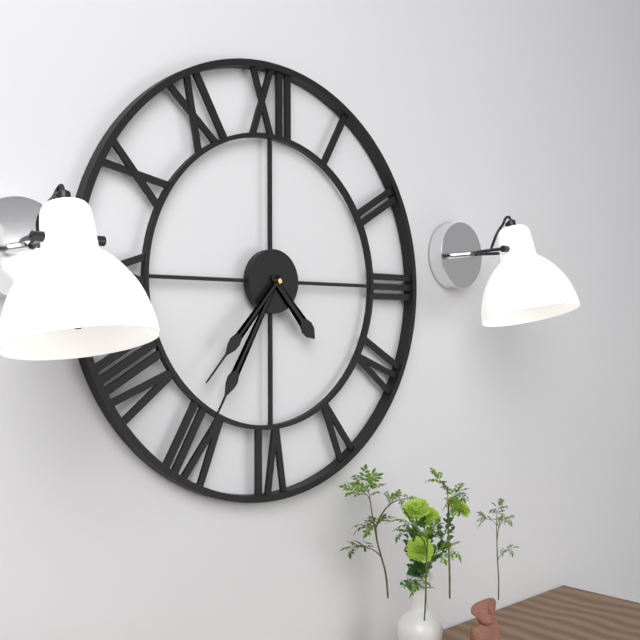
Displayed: 4 h 35 min 37 s
